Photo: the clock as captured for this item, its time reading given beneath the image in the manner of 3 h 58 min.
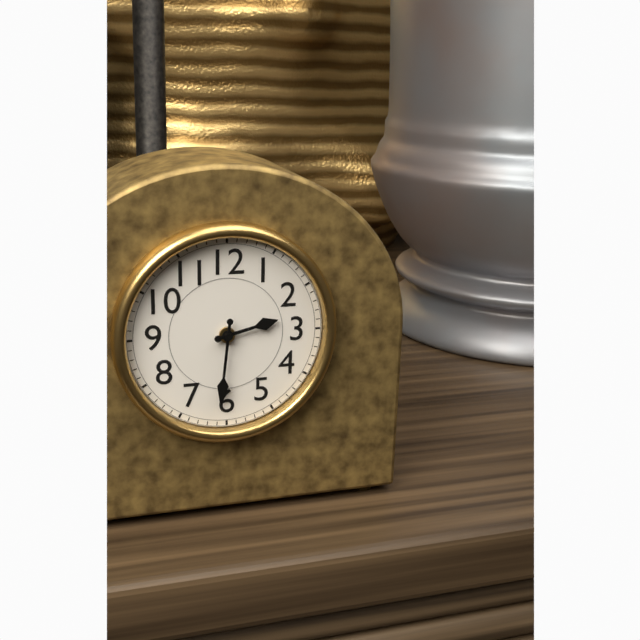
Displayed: 2 h 31 min
